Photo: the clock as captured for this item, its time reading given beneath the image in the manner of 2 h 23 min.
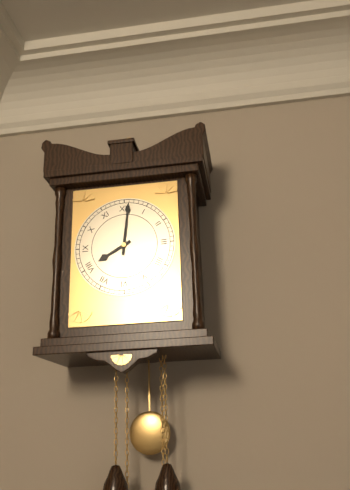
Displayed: 8 h 01 min
